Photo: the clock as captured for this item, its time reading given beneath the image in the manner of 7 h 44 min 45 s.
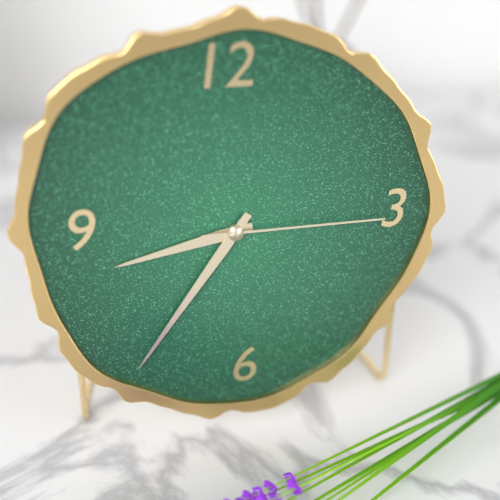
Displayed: 8 h 36 min 15 s
